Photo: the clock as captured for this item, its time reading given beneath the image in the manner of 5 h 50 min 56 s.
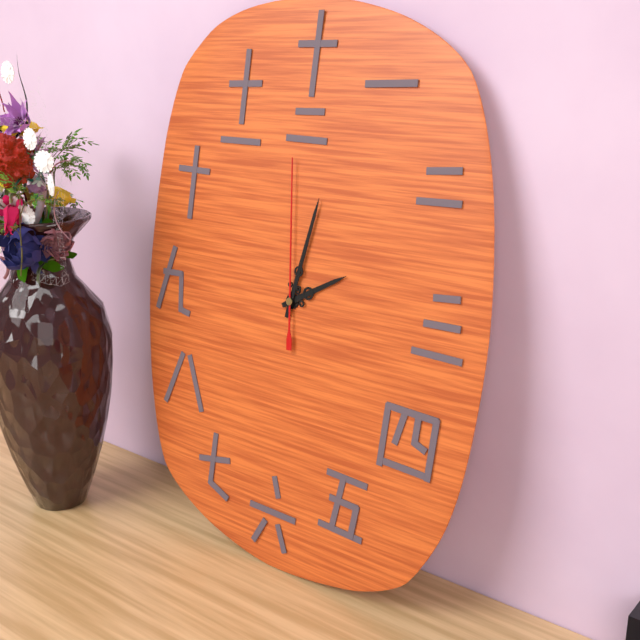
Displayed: 2 h 02 min 59 s
